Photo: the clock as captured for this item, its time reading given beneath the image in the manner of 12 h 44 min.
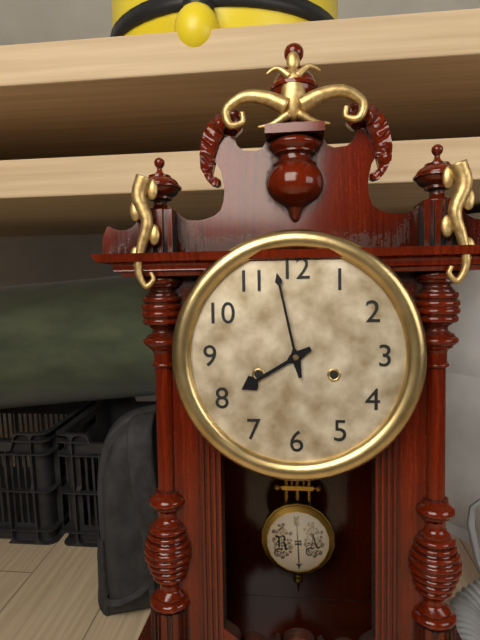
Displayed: 7 h 58 min
